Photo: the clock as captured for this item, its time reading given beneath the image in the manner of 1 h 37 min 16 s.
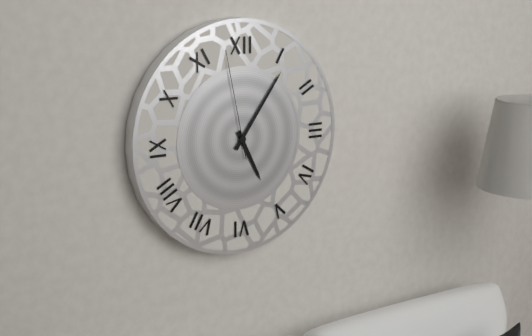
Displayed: 5 h 06 min 58 s
